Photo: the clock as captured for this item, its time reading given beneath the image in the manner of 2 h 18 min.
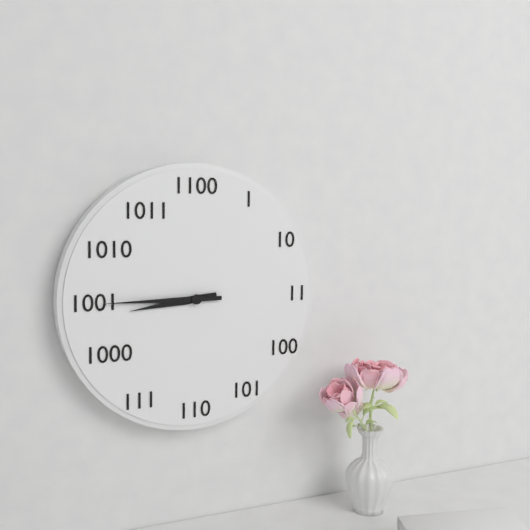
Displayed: 8 h 45 min
